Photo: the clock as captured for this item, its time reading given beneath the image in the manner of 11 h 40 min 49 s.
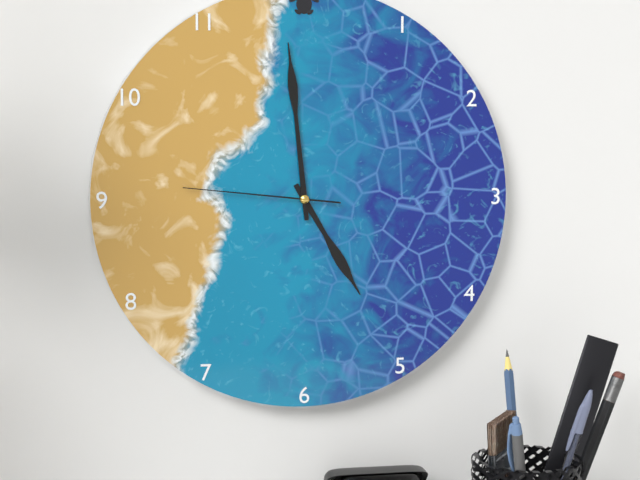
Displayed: 4 h 59 min 46 s
